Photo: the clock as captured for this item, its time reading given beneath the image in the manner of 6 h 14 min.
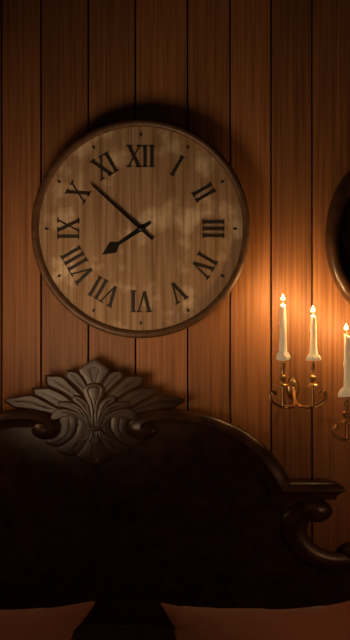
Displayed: 7 h 52 min
